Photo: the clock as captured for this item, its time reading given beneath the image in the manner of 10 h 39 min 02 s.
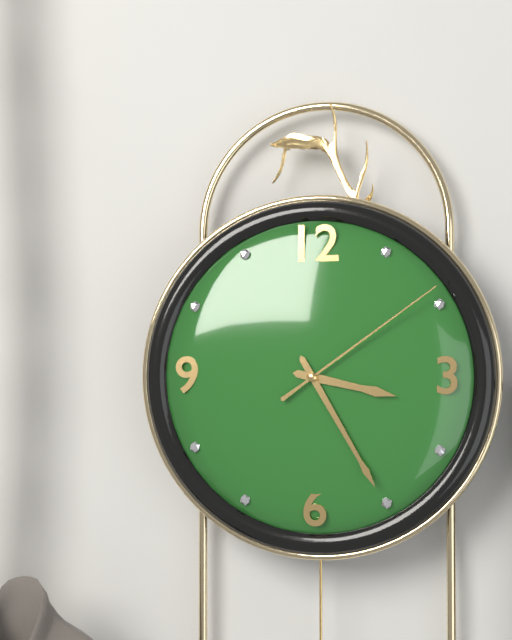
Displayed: 3 h 25 min 09 s
